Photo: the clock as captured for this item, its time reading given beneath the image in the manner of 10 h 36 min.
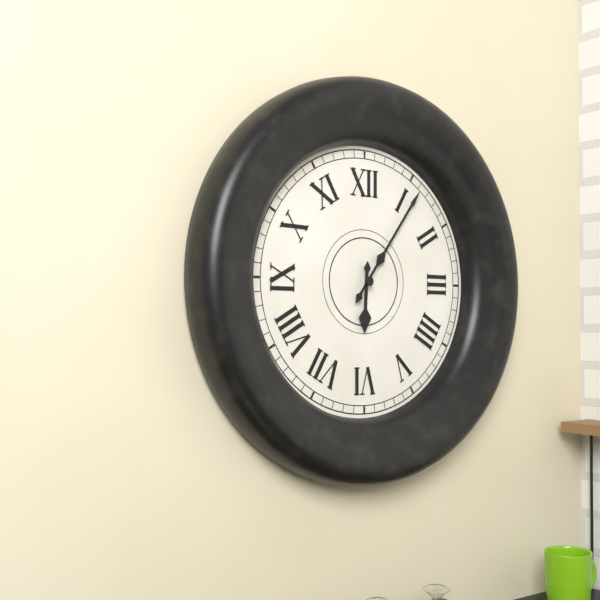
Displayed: 6 h 06 min
